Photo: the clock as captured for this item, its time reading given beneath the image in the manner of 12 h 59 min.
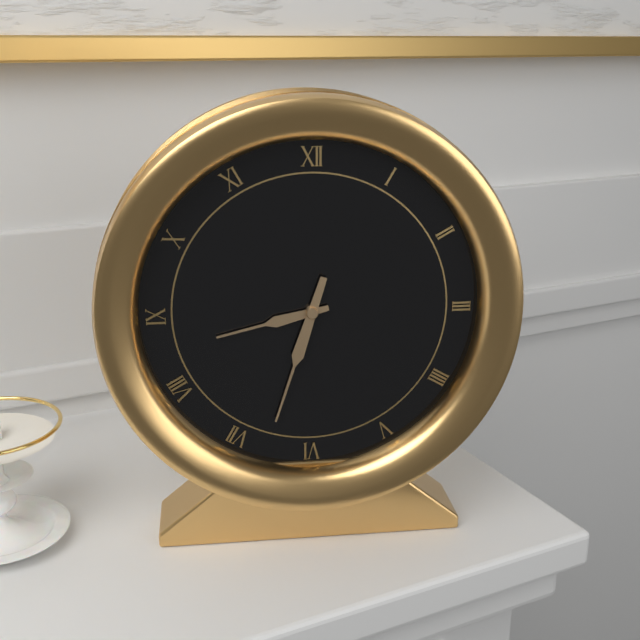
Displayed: 8 h 33 min
